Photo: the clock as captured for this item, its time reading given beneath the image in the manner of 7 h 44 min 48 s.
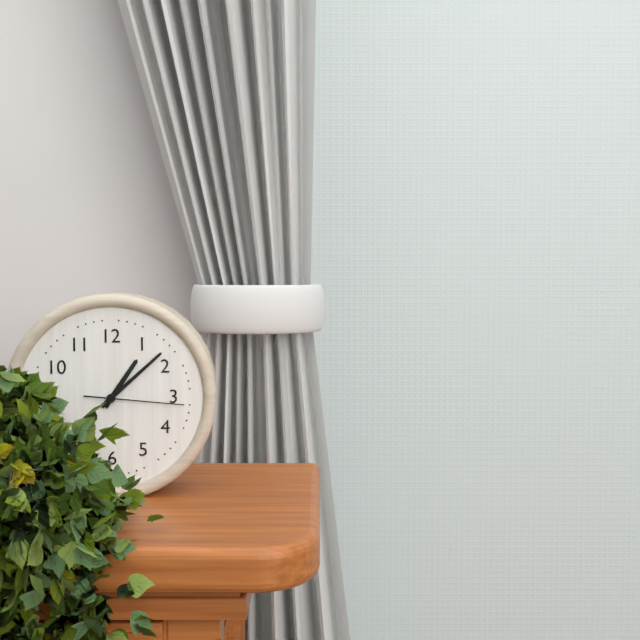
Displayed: 1 h 08 min 16 s
